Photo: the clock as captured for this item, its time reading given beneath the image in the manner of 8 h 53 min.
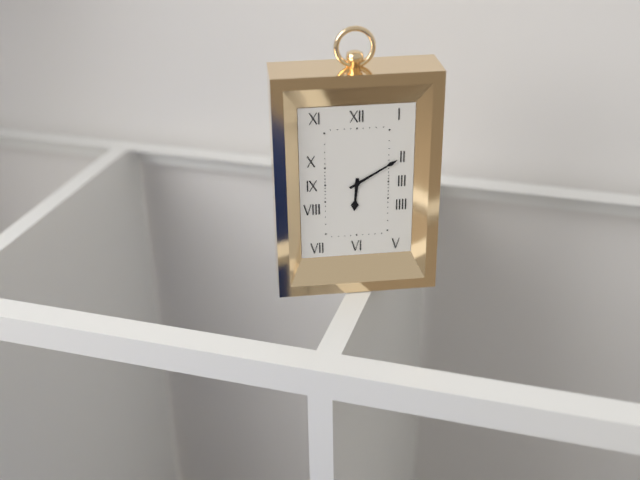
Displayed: 6 h 10 min
